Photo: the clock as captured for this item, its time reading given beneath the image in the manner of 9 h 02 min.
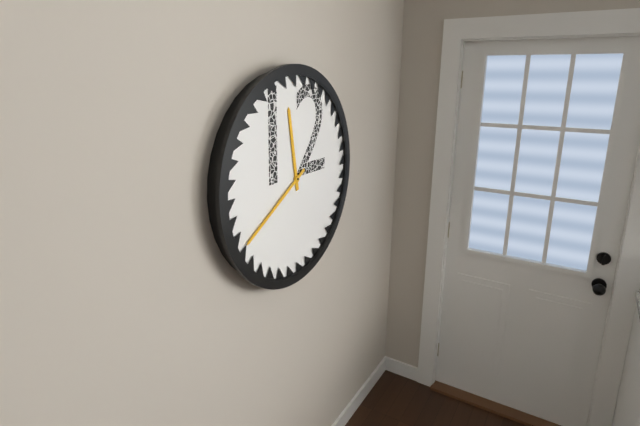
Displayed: 11 h 40 min
